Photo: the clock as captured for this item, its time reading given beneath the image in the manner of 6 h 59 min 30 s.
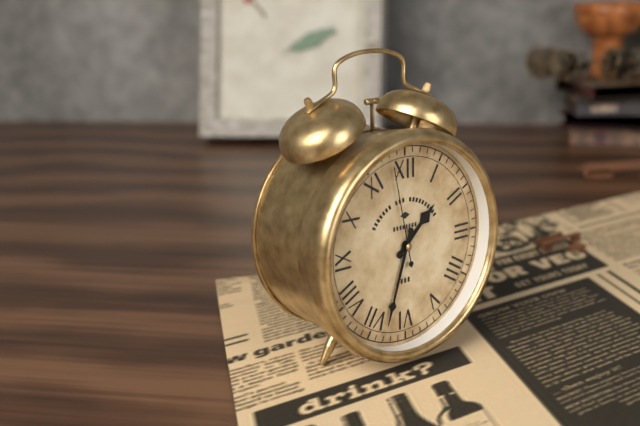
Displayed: 1 h 33 min 58 s
